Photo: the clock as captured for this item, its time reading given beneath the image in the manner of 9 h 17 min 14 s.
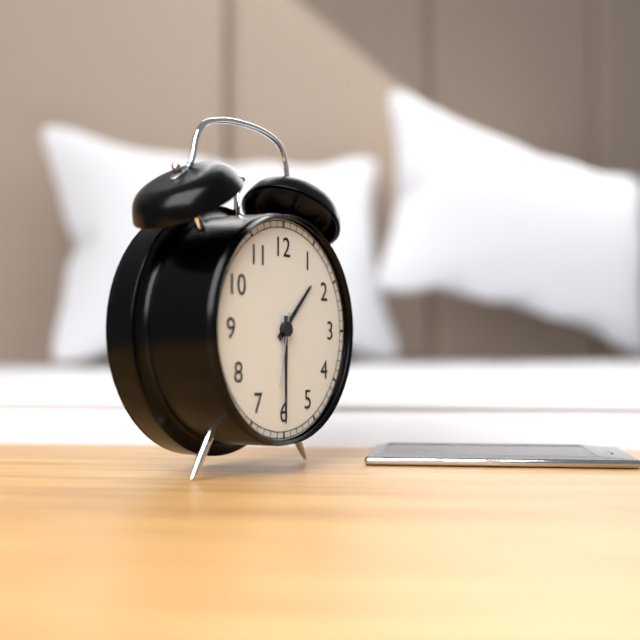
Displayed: 1 h 30 min 32 s
